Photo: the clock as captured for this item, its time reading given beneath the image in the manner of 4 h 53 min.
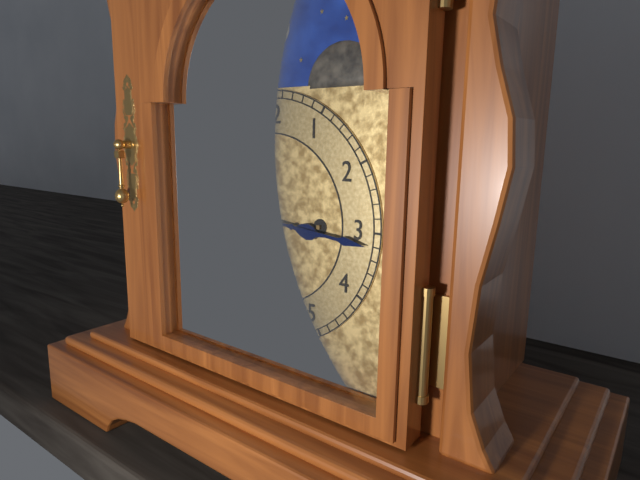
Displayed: 3 h 16 min
